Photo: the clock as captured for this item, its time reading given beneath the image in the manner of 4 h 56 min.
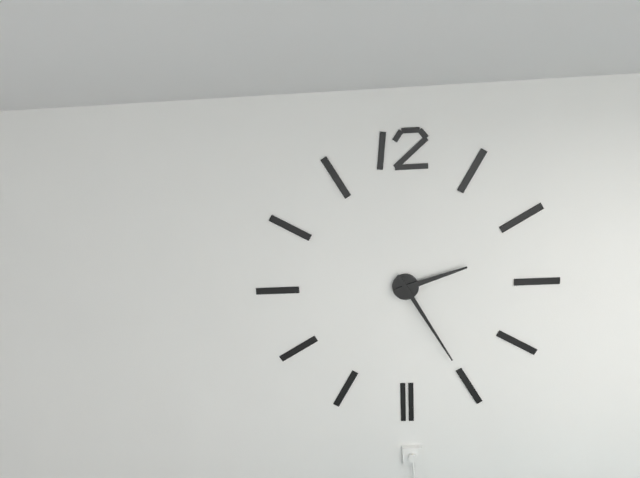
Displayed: 2 h 25 min
